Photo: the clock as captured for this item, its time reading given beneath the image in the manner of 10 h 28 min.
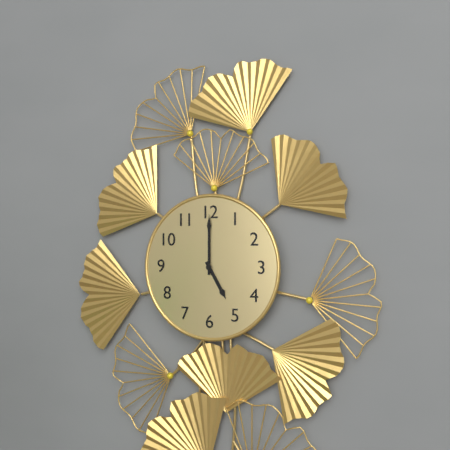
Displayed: 5 h 00 min
